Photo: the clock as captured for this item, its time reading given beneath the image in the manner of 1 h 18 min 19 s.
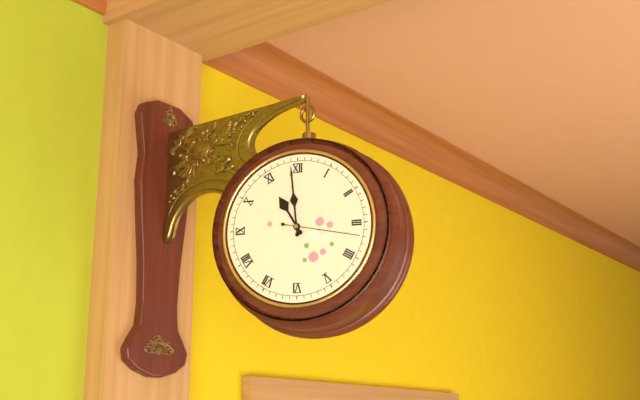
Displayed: 10 h 59 min 17 s
